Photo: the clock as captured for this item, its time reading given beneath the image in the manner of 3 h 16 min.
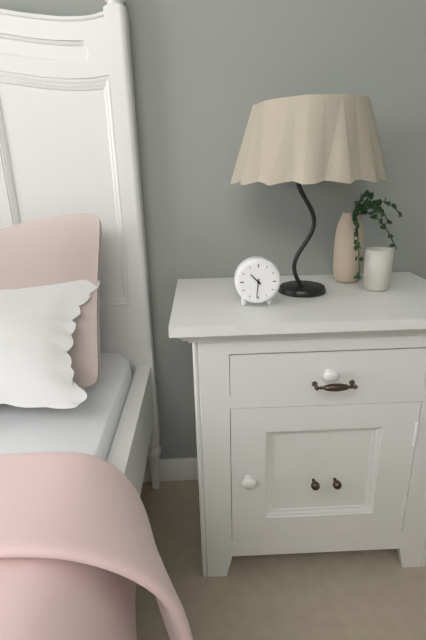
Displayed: 10 h 31 min
